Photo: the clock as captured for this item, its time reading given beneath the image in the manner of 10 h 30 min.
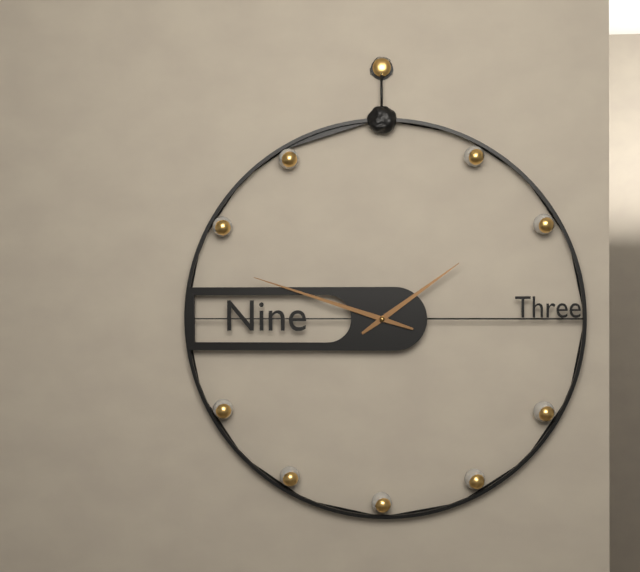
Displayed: 1 h 48 min
